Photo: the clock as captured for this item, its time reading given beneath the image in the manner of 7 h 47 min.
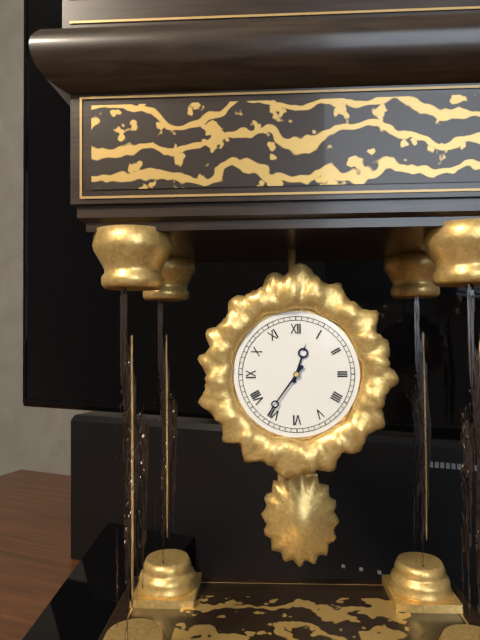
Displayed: 12 h 36 min
